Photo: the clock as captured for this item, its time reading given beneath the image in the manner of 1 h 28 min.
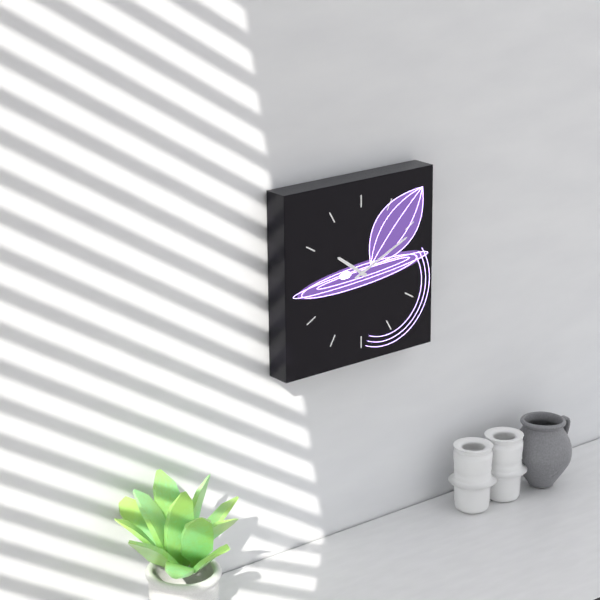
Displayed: 10 h 11 min
